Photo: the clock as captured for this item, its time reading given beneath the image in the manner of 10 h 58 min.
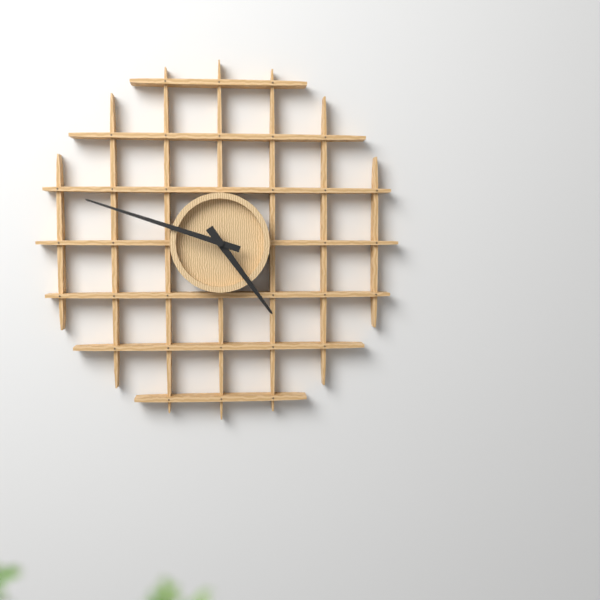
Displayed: 4 h 48 min
